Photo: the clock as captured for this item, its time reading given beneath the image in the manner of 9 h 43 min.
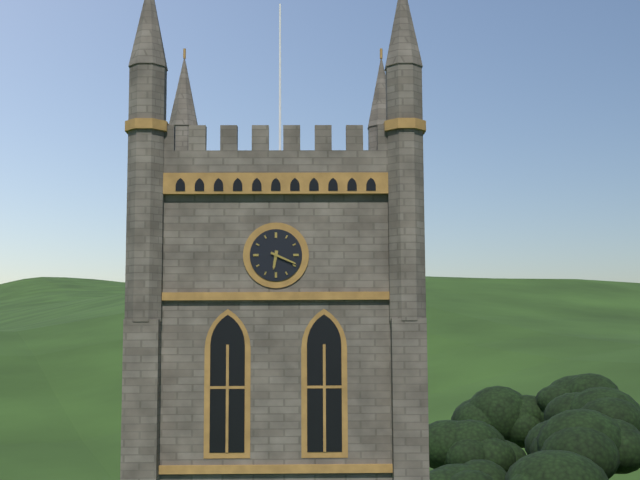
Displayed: 6 h 19 min
